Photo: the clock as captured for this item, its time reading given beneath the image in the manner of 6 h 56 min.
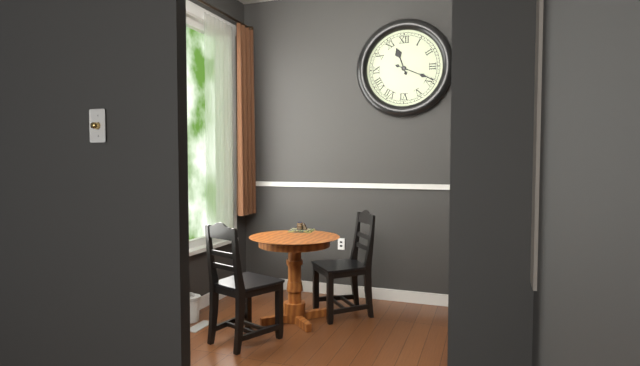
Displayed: 11 h 19 min
